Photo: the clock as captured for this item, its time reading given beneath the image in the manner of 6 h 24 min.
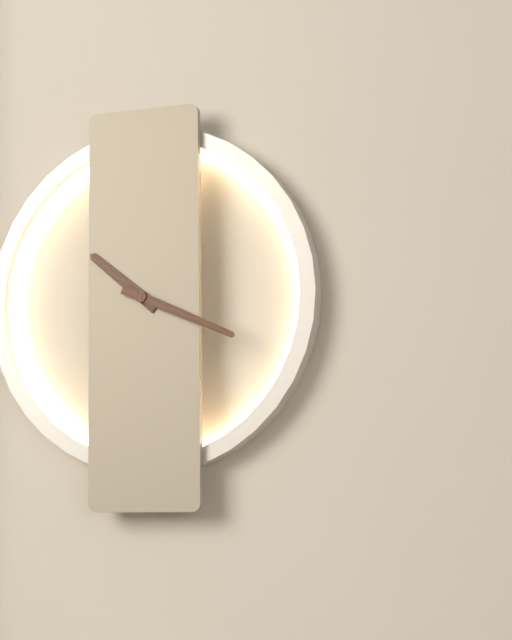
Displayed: 10 h 19 min
